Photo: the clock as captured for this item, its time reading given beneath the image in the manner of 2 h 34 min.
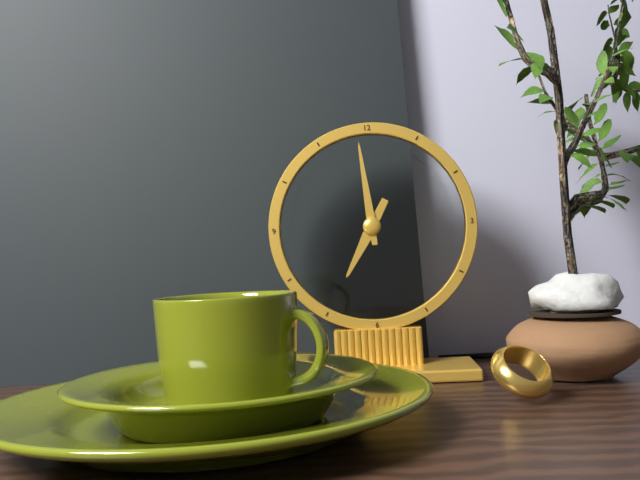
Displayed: 6 h 59 min
